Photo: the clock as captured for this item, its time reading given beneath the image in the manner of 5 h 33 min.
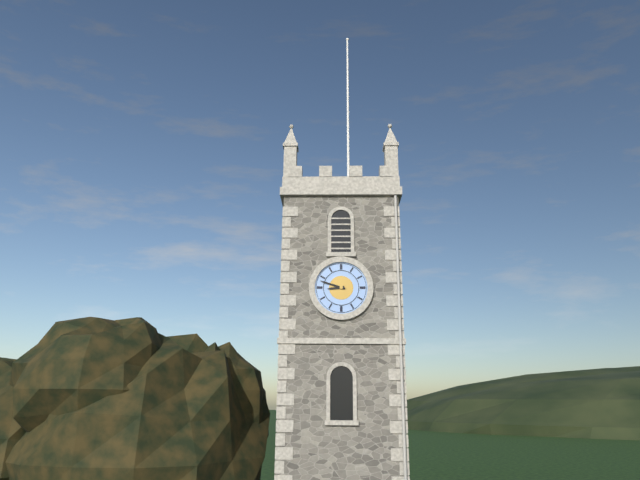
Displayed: 8 h 48 min
